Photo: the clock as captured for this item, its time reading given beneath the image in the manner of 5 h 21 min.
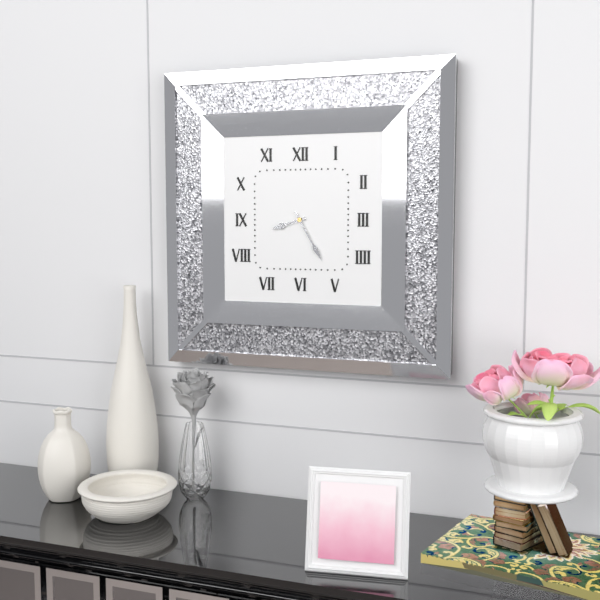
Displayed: 8 h 25 min
